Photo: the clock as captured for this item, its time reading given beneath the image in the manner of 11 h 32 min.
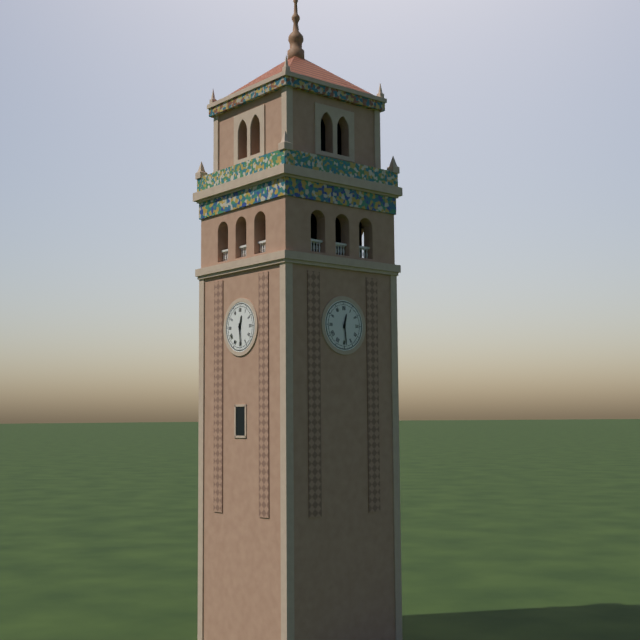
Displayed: 12 h 29 min
